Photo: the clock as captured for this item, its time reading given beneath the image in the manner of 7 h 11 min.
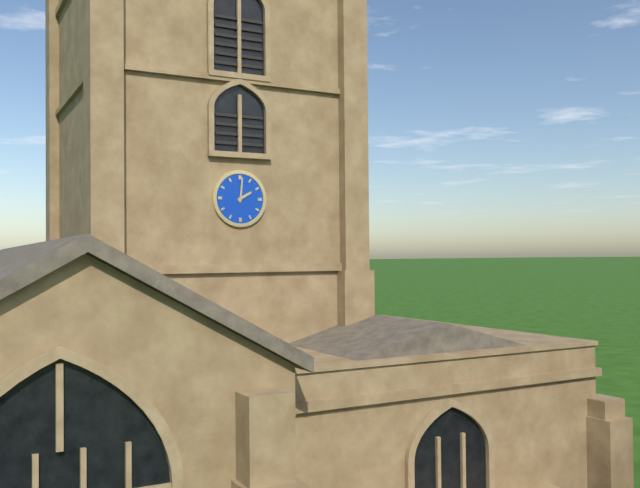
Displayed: 2 h 01 min
